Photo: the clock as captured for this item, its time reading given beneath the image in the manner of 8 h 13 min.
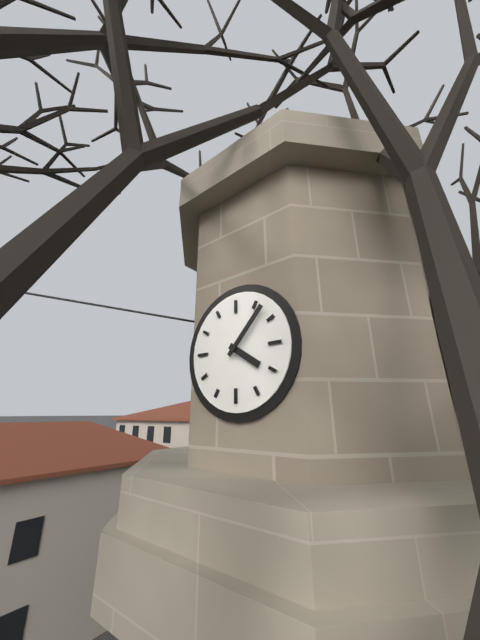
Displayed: 4 h 07 min
